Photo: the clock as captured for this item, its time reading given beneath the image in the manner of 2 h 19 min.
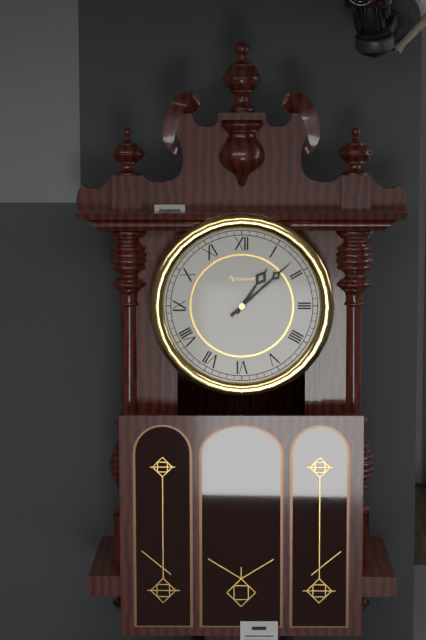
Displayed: 1 h 08 min
